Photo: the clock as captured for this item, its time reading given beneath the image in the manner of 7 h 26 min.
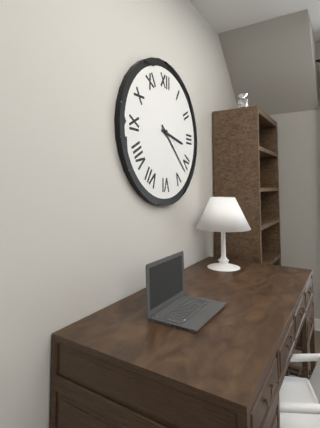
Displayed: 3 h 22 min
